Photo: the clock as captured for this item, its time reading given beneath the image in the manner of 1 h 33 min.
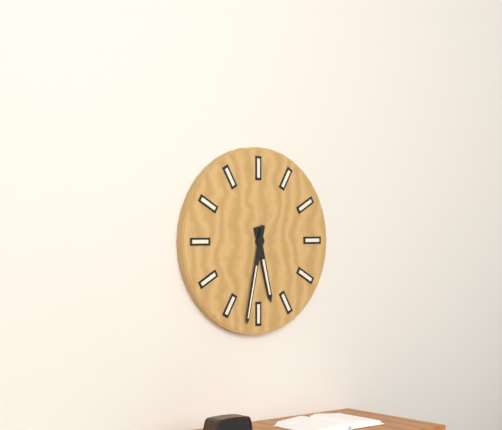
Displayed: 5 h 32 min
